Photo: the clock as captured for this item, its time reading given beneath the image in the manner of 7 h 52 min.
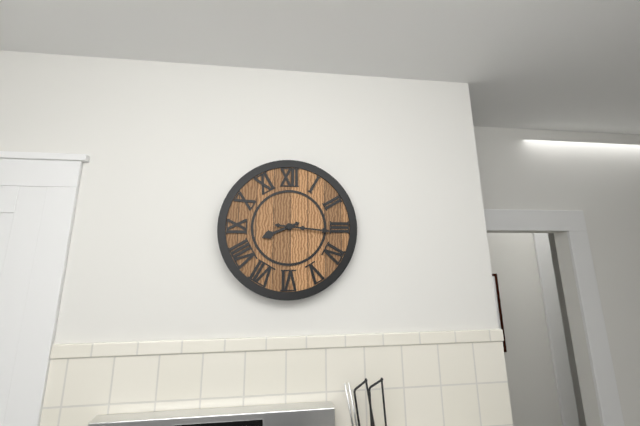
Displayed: 8 h 16 min
